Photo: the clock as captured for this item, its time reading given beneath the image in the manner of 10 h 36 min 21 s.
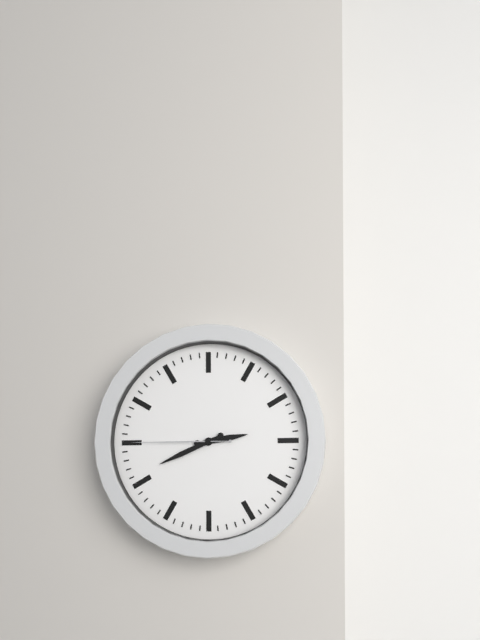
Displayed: 2 h 41 min 45 s
